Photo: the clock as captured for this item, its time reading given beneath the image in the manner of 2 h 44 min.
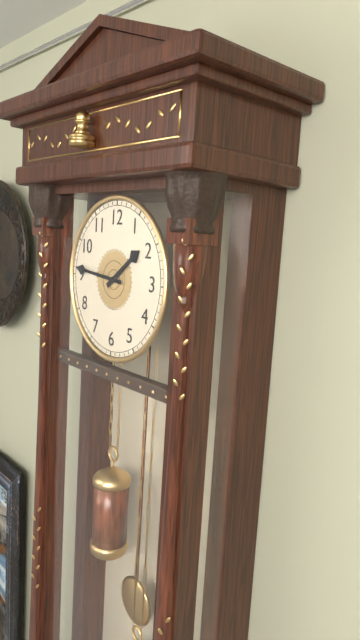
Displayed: 1 h 46 min
